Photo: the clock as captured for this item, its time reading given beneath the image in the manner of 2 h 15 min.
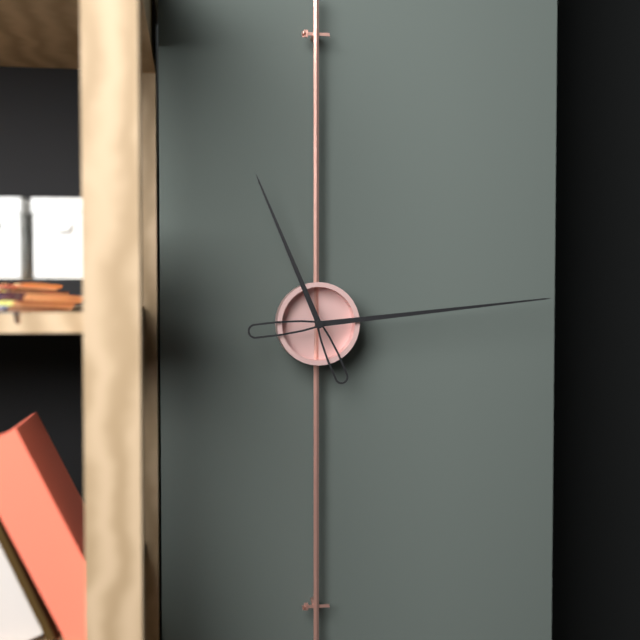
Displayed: 11 h 14 min
